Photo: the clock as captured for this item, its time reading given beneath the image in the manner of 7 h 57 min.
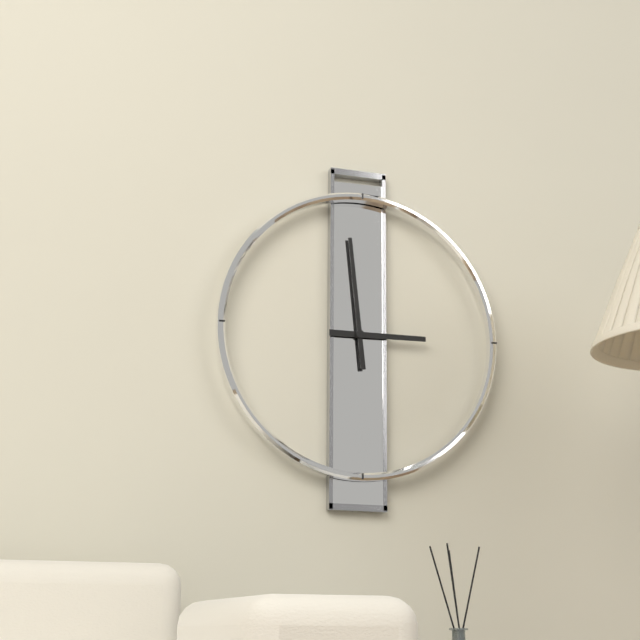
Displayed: 2 h 59 min
